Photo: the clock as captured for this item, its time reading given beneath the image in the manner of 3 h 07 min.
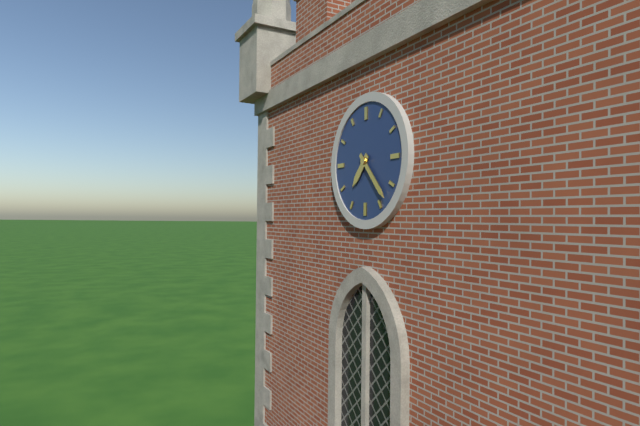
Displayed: 7 h 23 min
